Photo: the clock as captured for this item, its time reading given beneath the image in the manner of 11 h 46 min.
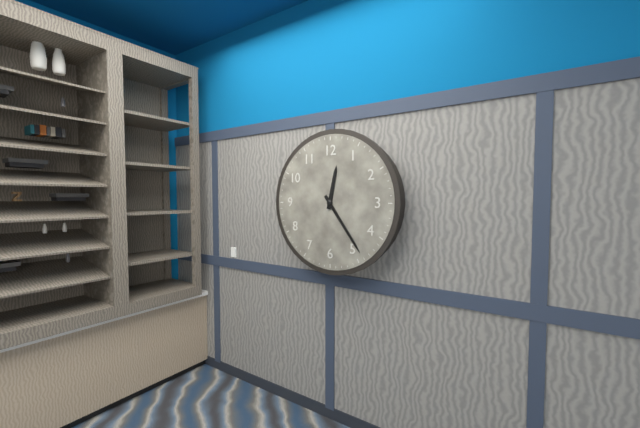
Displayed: 12 h 24 min
